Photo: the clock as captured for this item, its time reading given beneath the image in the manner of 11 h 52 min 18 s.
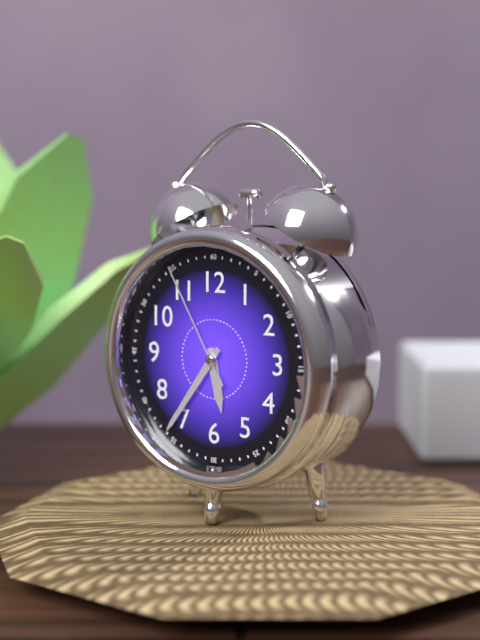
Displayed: 5 h 36 min 55 s
